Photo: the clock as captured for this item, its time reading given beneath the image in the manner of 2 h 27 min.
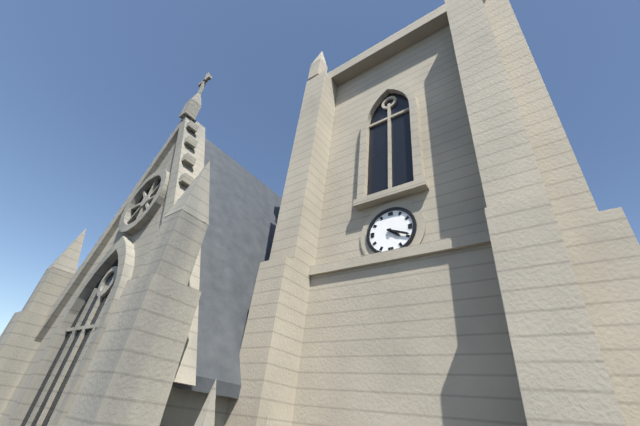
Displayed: 4 h 19 min
